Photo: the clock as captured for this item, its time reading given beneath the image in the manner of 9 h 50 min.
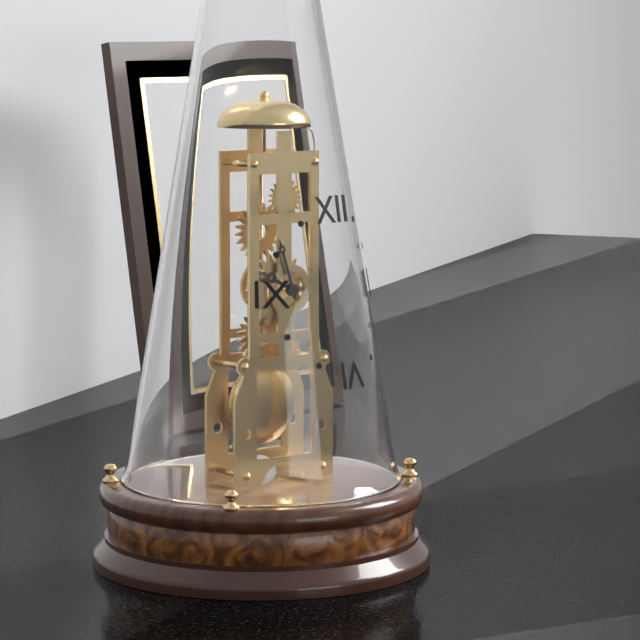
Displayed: 9 h 57 min
